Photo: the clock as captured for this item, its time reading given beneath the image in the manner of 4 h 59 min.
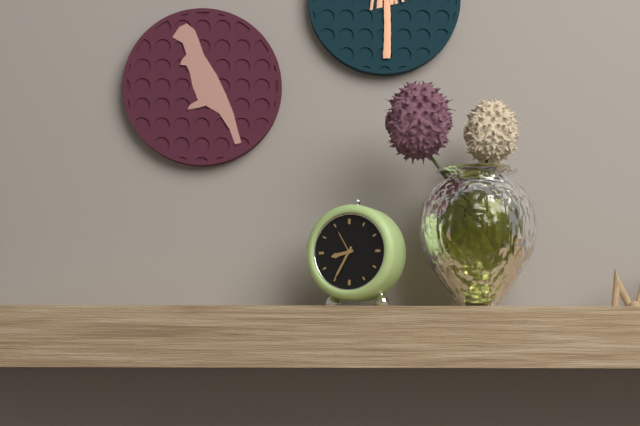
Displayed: 8 h 35 min
